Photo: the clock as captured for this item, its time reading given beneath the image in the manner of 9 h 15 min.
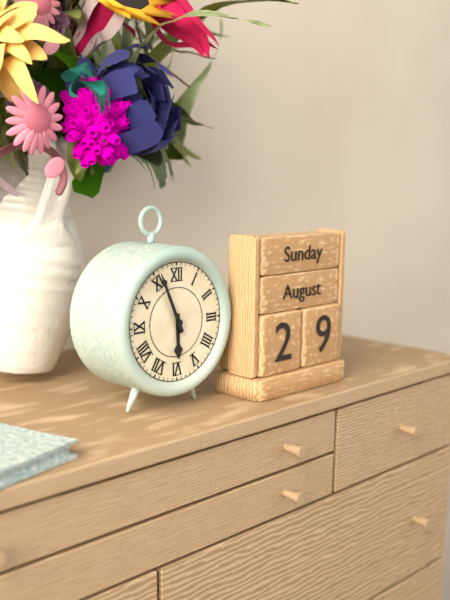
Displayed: 5 h 56 min
